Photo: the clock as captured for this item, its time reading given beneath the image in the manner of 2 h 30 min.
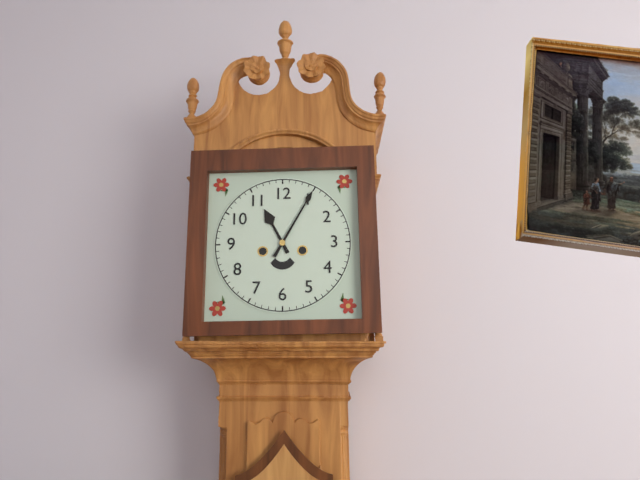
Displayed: 11 h 05 min
